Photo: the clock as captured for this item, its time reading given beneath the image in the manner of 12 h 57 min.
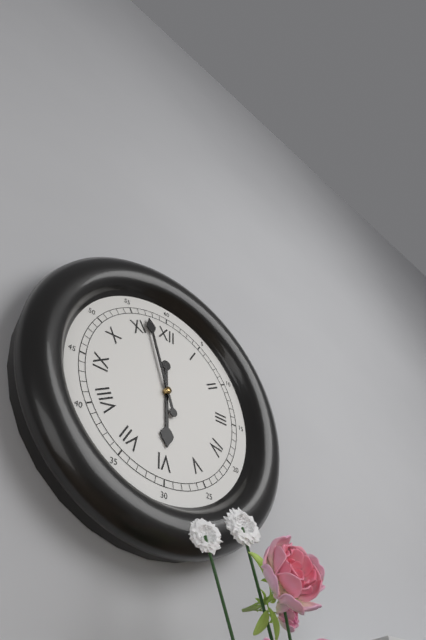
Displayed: 5 h 57 min
